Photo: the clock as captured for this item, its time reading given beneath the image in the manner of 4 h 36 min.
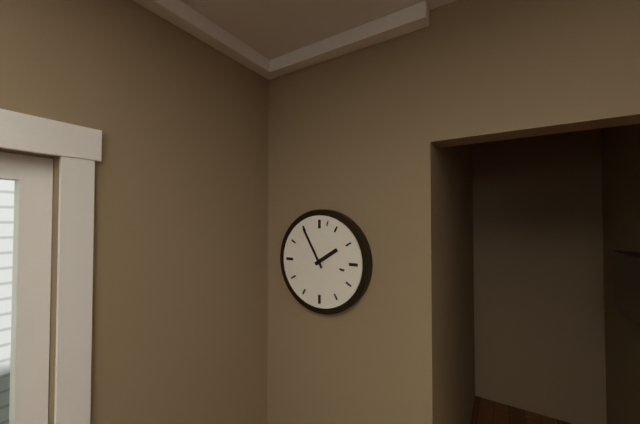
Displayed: 1 h 55 min
